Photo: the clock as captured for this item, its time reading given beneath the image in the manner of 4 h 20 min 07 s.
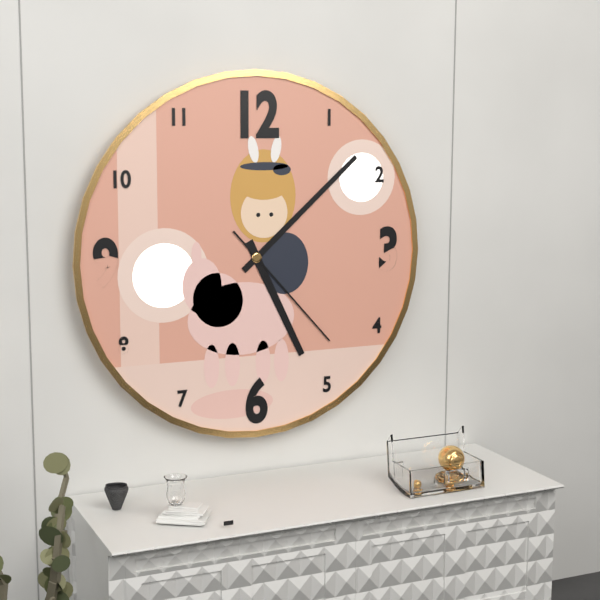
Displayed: 5 h 08 min 23 s
